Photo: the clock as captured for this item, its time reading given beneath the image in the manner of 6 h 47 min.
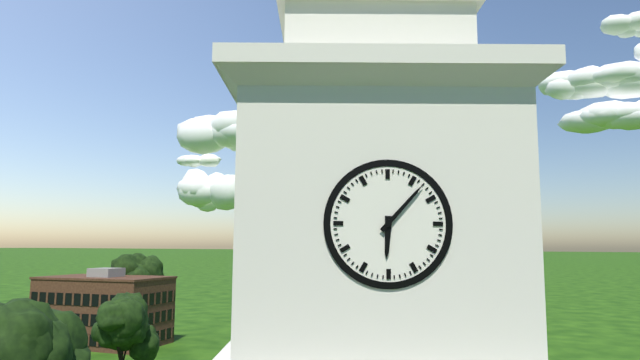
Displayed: 6 h 07 min
